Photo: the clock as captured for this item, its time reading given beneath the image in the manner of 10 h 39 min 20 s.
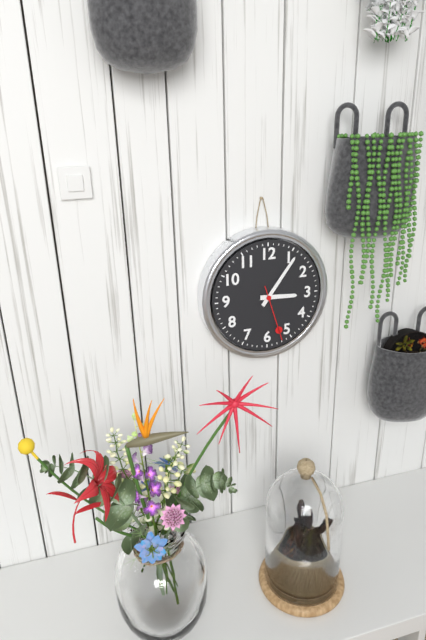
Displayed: 3 h 06 min 27 s
